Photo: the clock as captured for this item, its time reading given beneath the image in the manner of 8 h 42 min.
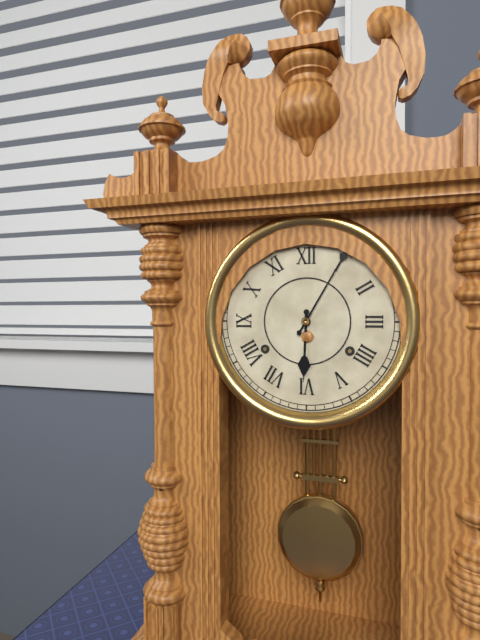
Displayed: 6 h 05 min
